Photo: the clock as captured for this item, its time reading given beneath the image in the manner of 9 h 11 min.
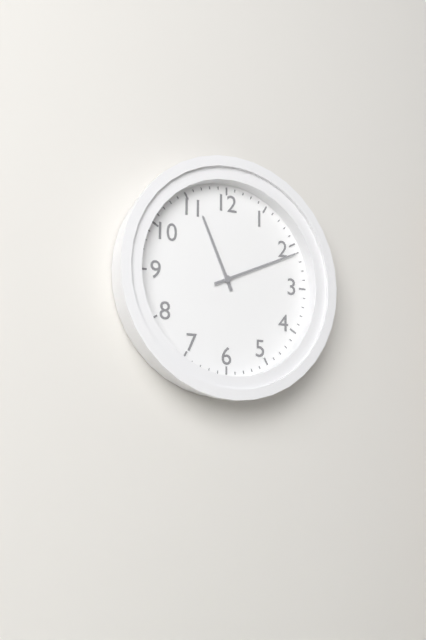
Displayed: 11 h 11 min
